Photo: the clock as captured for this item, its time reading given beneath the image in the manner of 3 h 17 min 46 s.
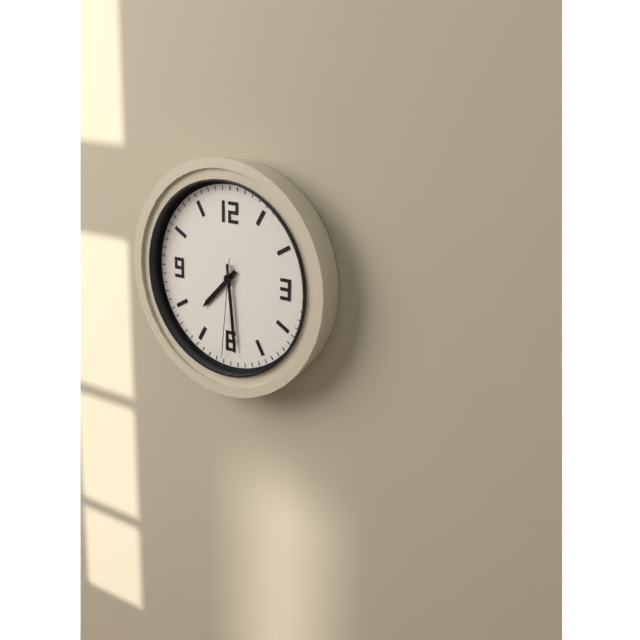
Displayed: 7 h 29 min 31 s
